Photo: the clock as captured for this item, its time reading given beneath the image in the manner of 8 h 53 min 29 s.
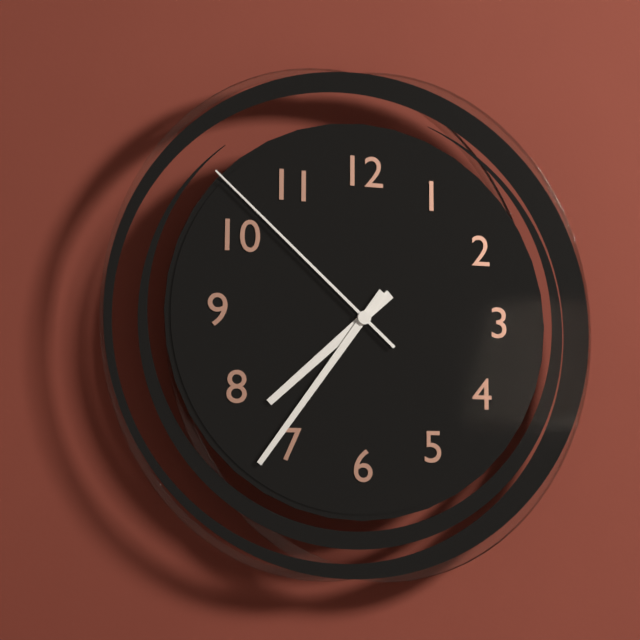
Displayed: 7 h 36 min 52 s
